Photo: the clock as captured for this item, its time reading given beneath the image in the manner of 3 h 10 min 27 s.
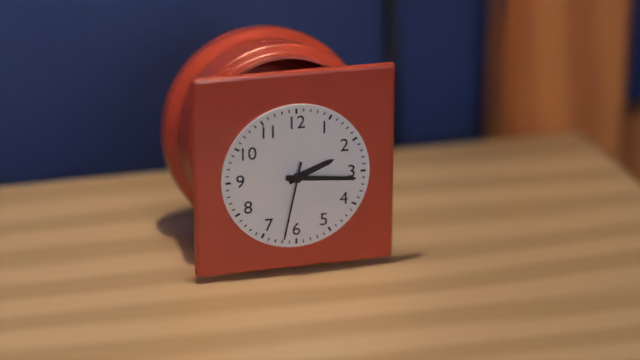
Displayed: 2 h 16 min 32 s
